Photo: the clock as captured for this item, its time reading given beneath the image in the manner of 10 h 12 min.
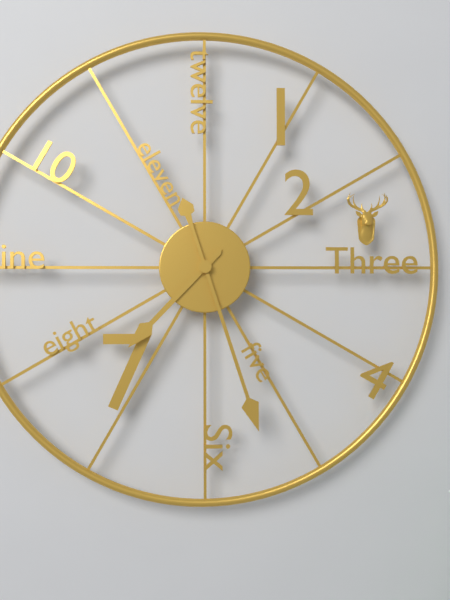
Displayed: 7 h 27 min
